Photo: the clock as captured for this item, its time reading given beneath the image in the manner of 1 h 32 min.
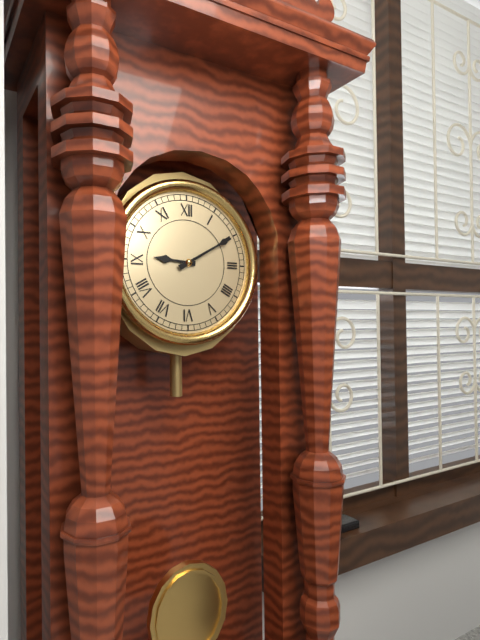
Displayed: 9 h 10 min
